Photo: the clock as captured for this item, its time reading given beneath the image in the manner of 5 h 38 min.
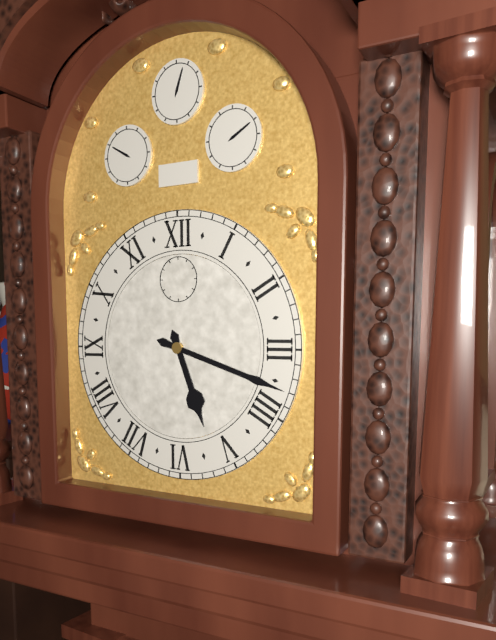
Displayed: 5 h 18 min
